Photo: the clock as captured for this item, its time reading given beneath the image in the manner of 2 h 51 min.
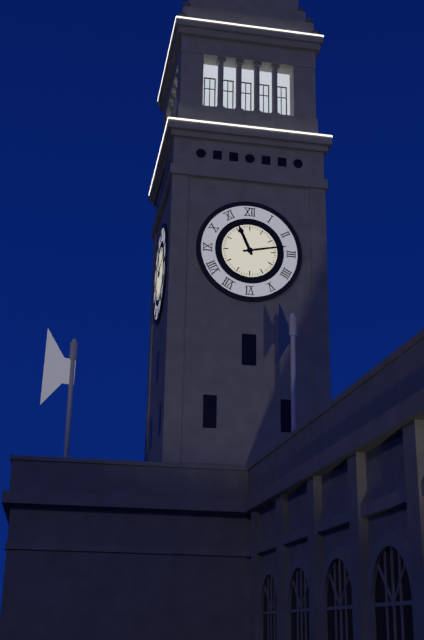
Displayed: 11 h 13 min
